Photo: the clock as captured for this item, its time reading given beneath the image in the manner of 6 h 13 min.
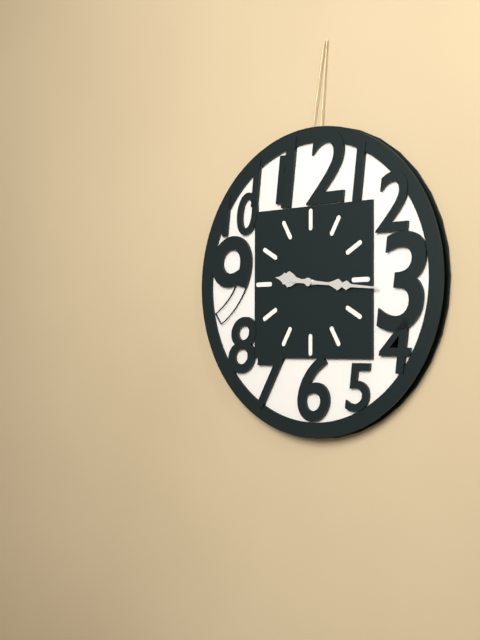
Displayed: 9 h 16 min
